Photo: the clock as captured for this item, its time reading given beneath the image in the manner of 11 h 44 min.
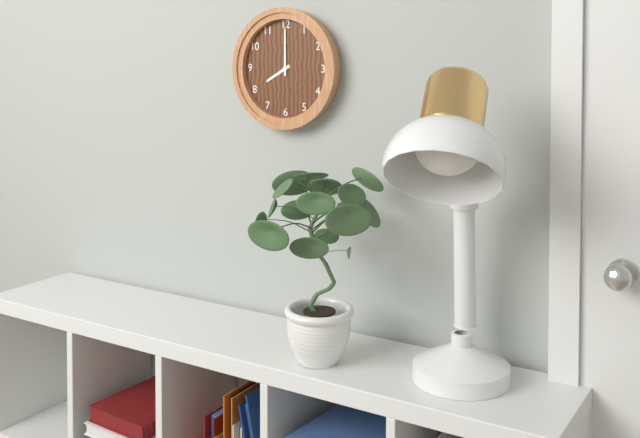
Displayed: 8 h 00 min
